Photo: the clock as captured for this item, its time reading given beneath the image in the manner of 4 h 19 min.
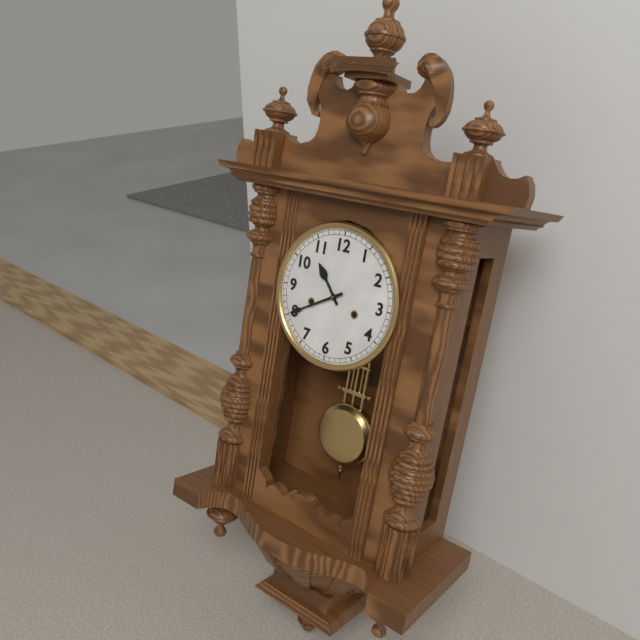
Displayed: 10 h 40 min
